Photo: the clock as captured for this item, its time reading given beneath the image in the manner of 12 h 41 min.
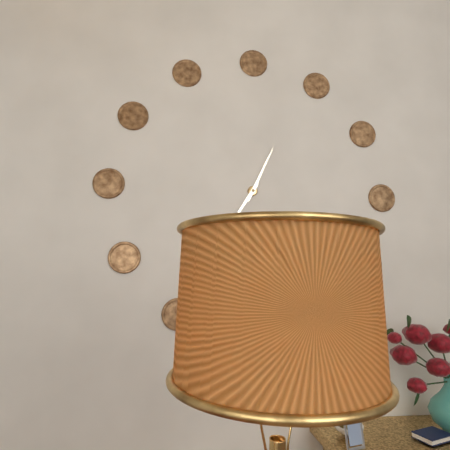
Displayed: 7 h 04 min
